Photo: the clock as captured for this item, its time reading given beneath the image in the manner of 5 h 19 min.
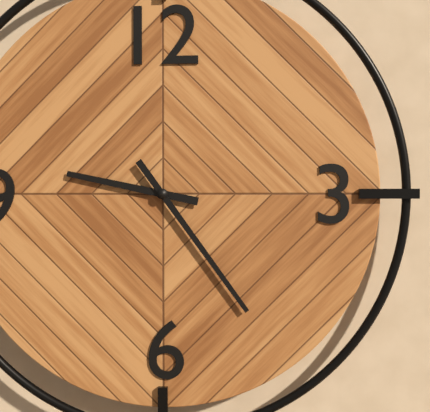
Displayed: 9 h 24 min
